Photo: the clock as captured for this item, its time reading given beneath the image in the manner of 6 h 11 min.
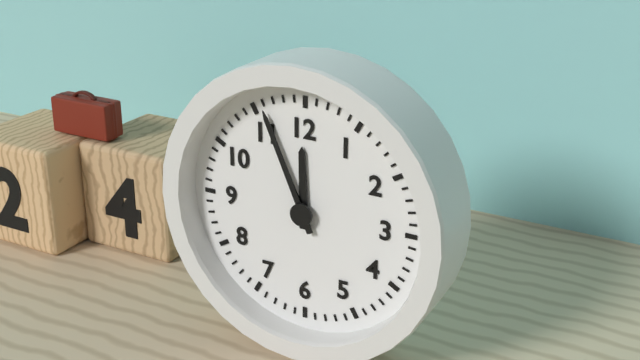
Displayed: 11 h 56 min
